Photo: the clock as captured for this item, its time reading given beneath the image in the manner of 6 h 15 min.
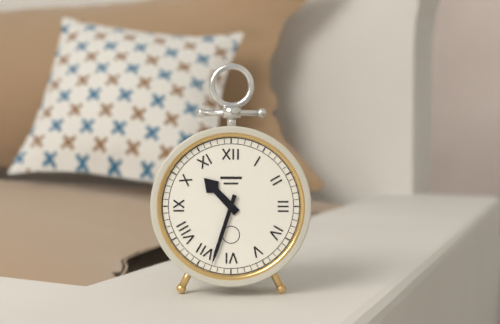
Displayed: 10 h 33 min
